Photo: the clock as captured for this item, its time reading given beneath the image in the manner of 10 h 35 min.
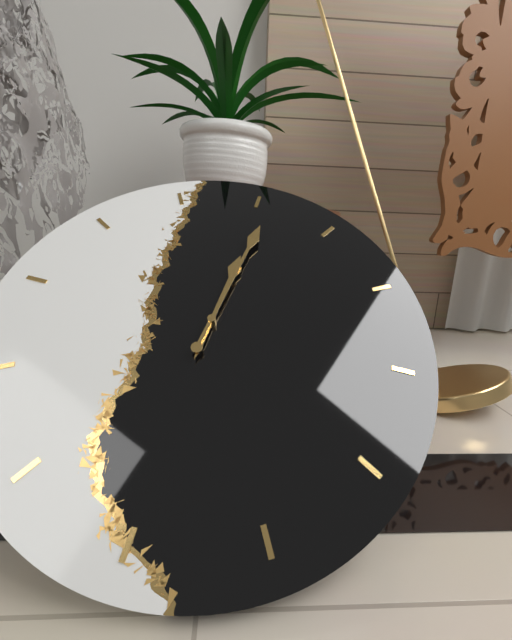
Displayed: 1 h 06 min
